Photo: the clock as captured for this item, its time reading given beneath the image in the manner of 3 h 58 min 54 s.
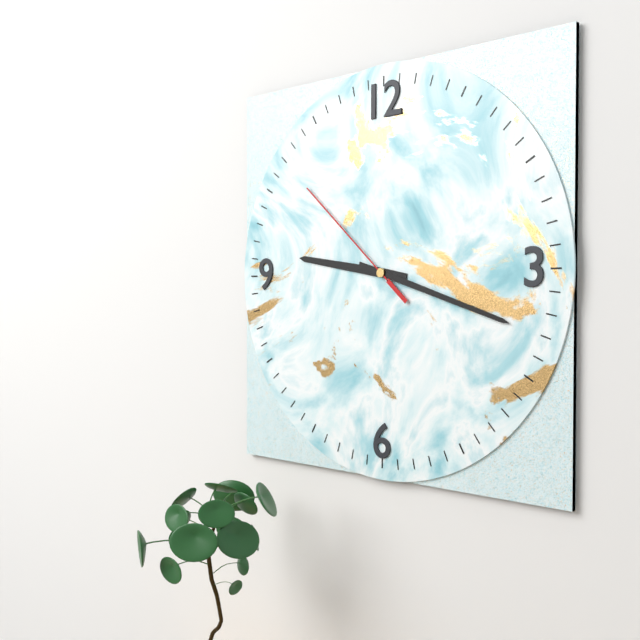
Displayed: 9 h 18 min 52 s
